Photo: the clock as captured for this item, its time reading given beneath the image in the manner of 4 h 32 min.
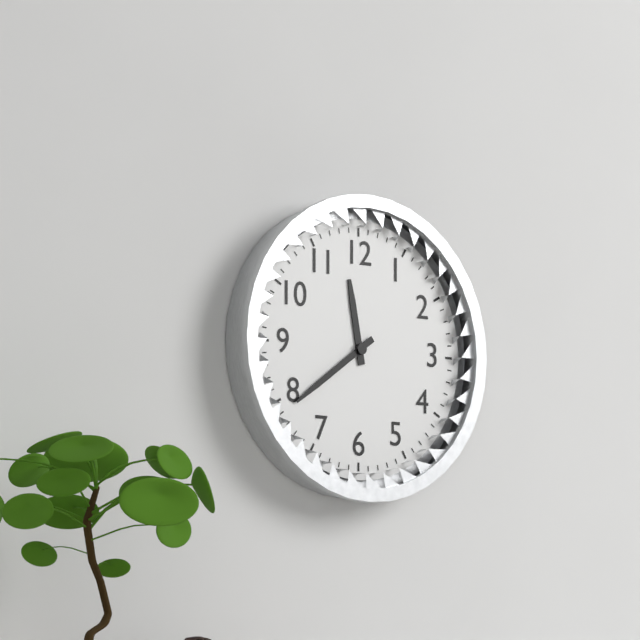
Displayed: 11 h 39 min
